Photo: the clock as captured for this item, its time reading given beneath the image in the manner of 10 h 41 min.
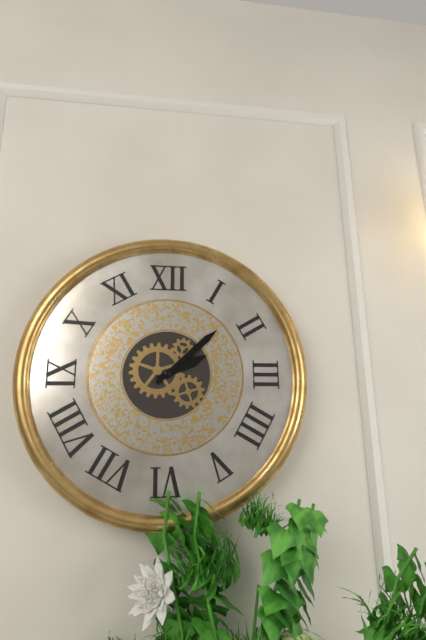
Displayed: 2 h 08 min
